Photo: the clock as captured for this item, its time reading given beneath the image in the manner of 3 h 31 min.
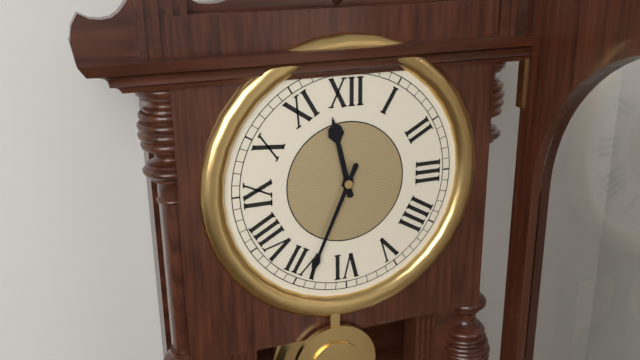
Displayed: 11 h 34 min
